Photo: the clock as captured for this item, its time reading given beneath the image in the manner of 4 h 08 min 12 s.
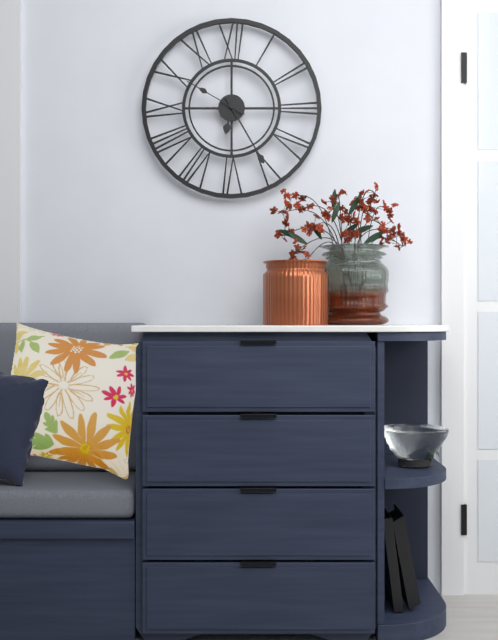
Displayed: 6 h 25 min 50 s
